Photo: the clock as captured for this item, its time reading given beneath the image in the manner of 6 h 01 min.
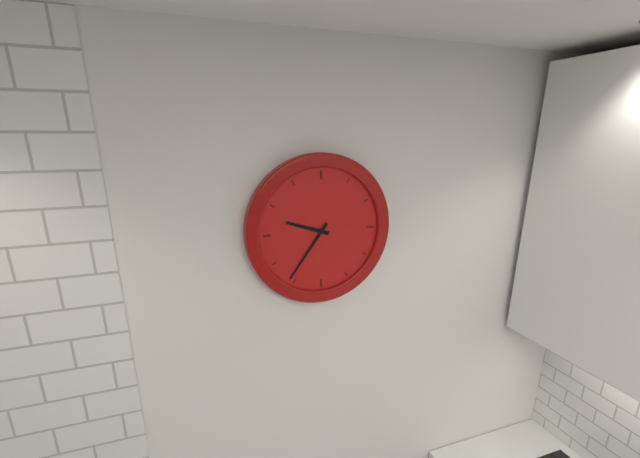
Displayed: 9 h 36 min
